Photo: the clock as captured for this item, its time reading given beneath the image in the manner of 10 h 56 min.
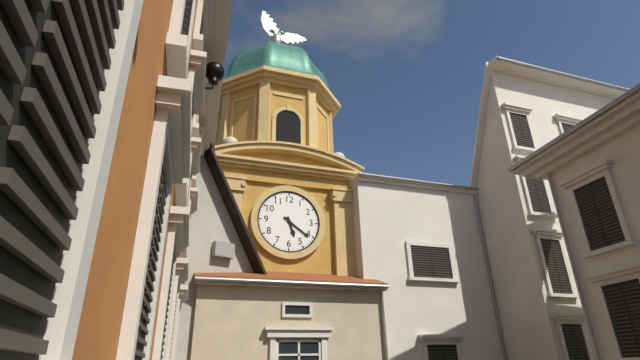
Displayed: 5 h 21 min
